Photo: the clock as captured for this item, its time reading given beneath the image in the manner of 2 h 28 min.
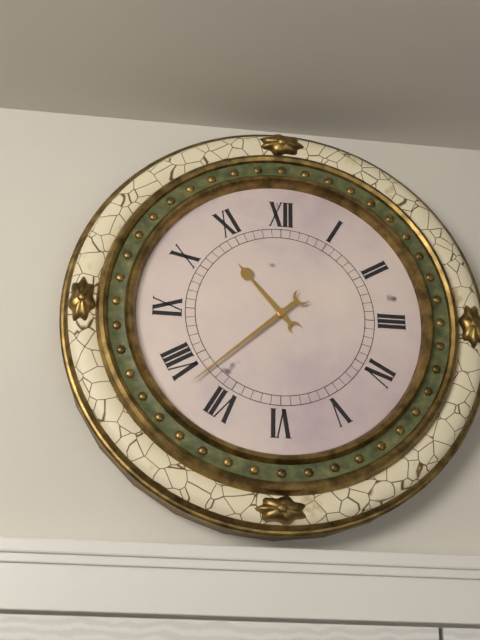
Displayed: 10 h 38 min
